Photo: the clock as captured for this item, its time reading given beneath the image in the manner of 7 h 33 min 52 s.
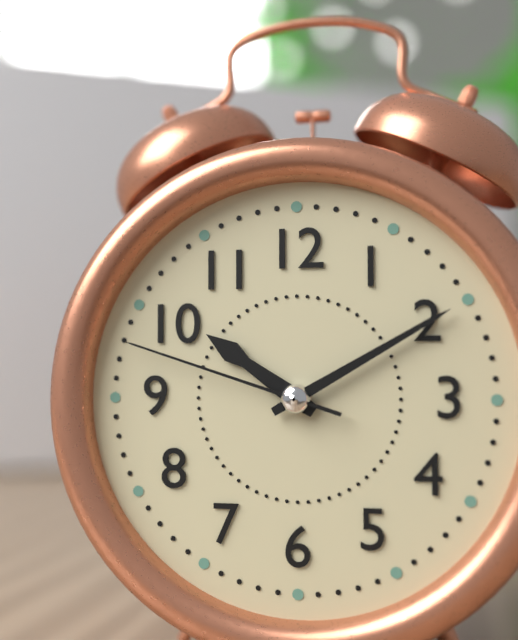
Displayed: 10 h 10 min 48 s
